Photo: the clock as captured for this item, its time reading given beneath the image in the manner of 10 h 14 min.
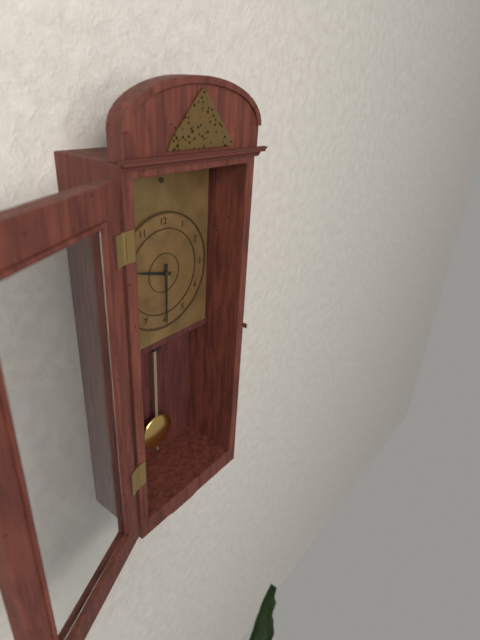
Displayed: 9 h 30 min
